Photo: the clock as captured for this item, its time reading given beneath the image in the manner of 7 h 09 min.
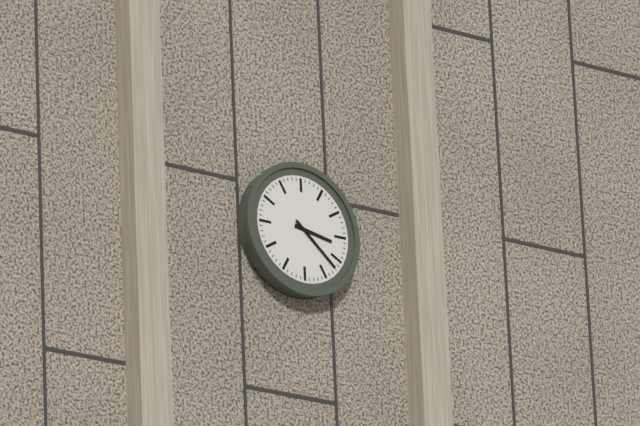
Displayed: 3 h 22 min
